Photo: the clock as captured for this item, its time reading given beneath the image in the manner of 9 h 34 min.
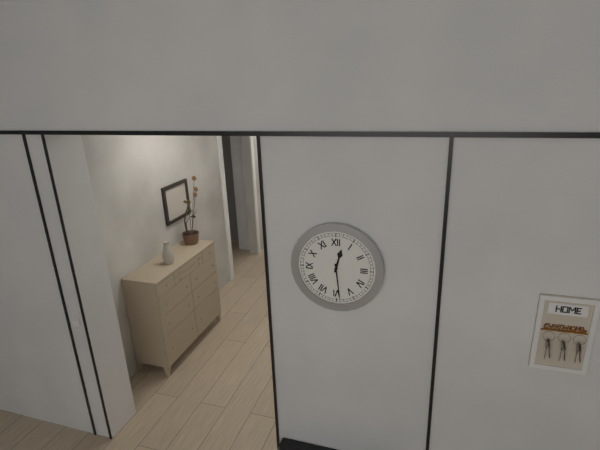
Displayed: 12 h 29 min
